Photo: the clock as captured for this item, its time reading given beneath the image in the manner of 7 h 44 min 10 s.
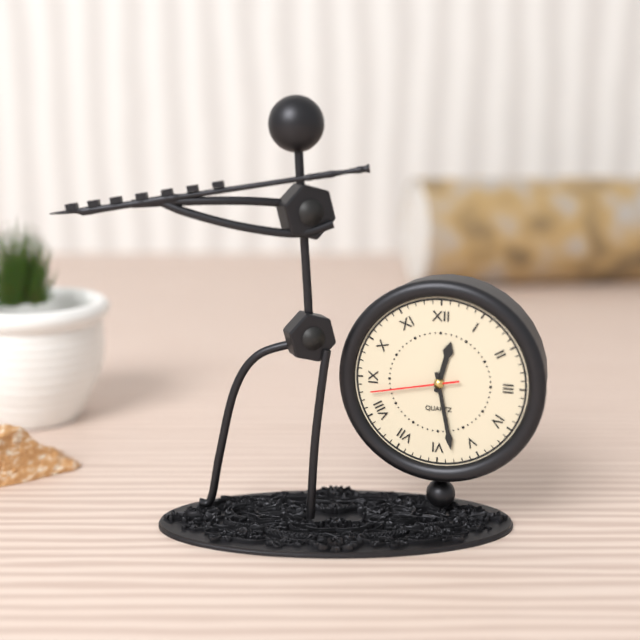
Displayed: 12 h 28 min 43 s
